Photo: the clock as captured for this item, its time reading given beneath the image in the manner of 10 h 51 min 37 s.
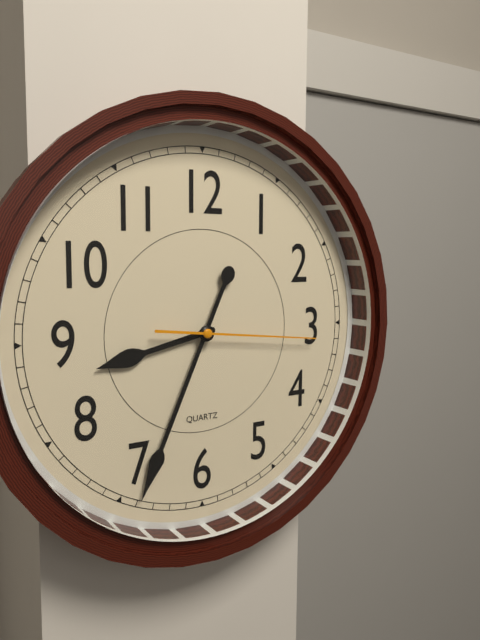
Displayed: 8 h 34 min 16 s
